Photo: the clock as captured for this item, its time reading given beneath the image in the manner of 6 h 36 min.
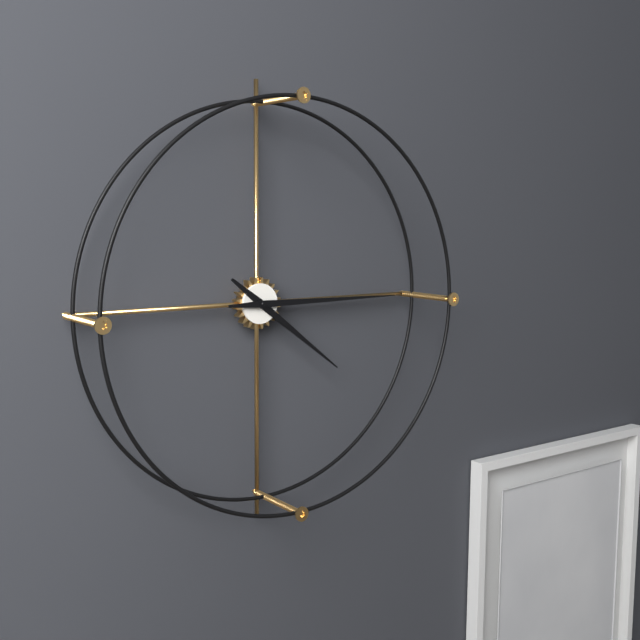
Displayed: 4 h 15 min
